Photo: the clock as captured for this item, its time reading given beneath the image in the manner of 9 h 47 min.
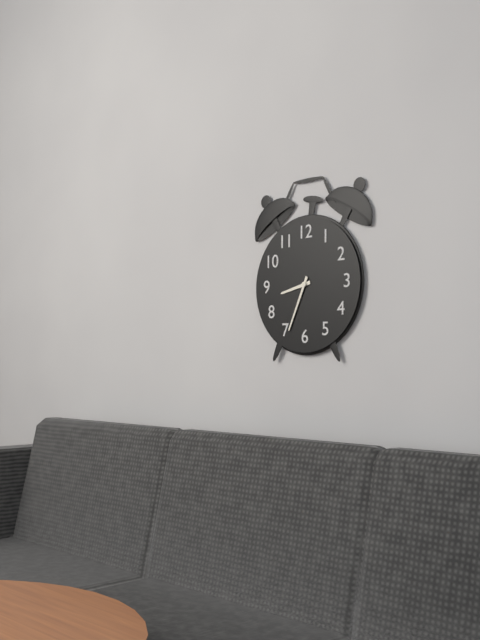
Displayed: 8 h 34 min
